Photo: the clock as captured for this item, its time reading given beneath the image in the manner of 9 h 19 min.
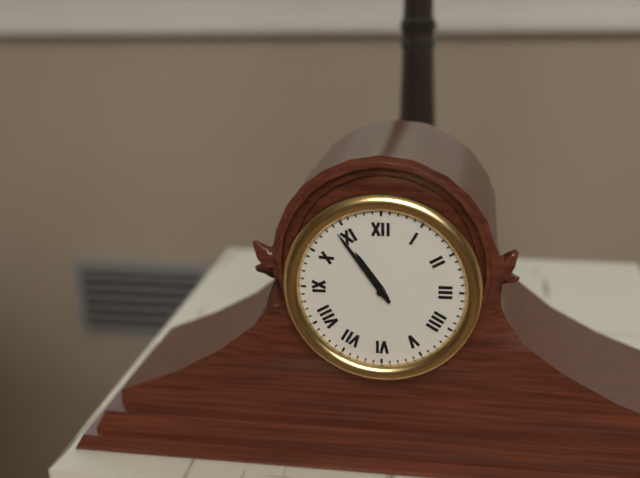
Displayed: 10 h 54 min
